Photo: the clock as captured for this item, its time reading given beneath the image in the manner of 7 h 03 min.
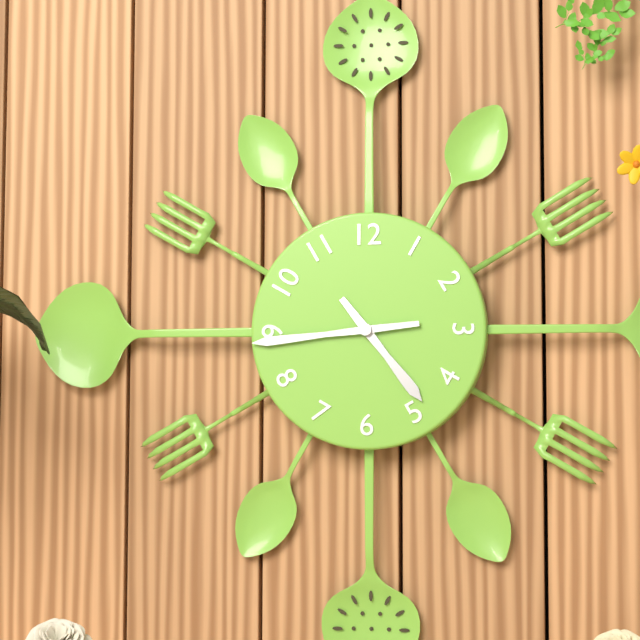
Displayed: 4 h 44 min
